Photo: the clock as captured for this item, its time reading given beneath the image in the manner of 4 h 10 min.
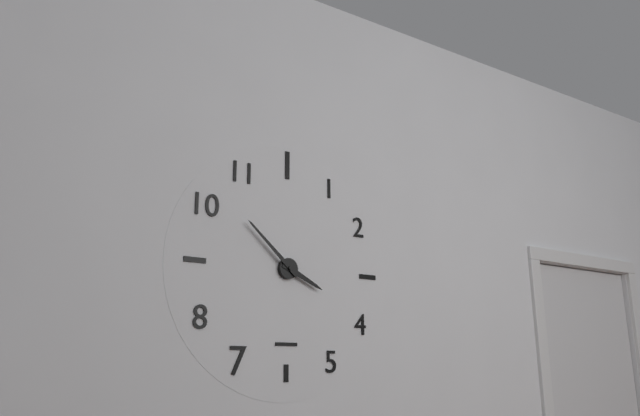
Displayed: 3 h 52 min
